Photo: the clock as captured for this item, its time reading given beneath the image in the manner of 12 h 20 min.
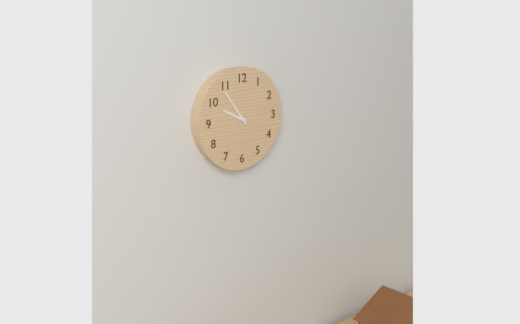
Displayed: 9 h 54 min
